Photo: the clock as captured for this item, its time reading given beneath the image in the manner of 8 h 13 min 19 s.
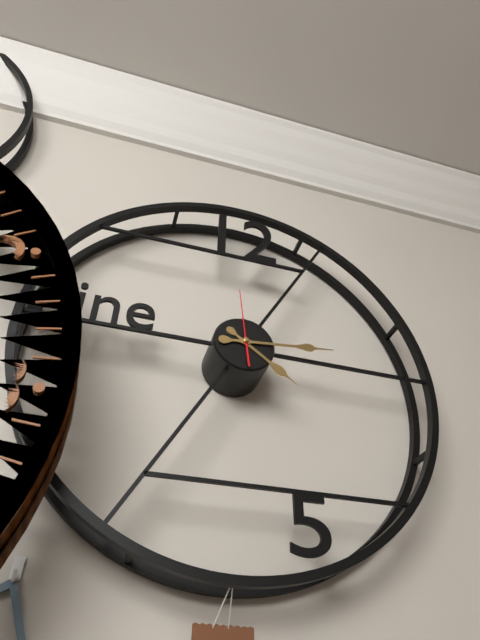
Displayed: 4 h 14 min 59 s
